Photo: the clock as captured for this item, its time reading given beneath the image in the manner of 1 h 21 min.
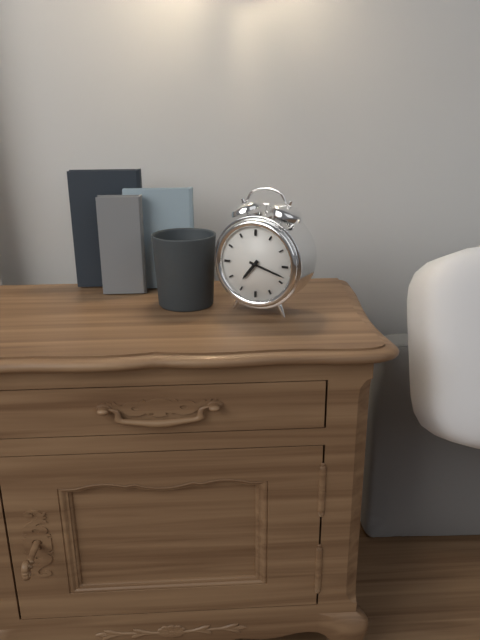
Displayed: 7 h 18 min
